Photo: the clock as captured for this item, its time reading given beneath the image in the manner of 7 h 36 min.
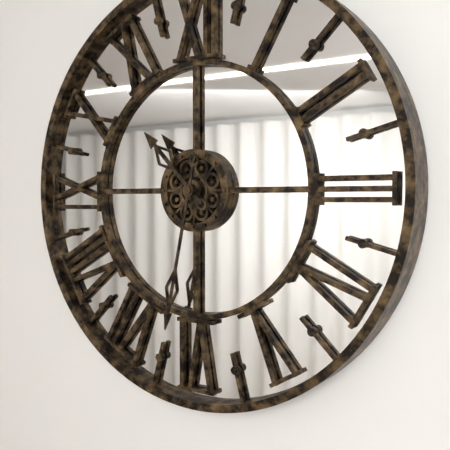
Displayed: 10 h 32 min
